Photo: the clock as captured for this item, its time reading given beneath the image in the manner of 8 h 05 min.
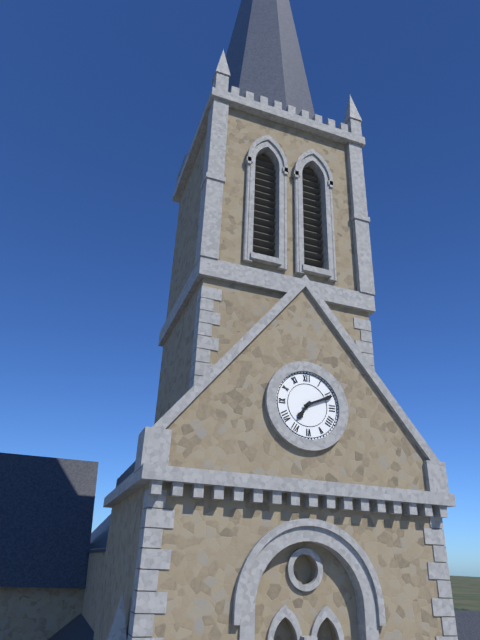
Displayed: 7 h 11 min
